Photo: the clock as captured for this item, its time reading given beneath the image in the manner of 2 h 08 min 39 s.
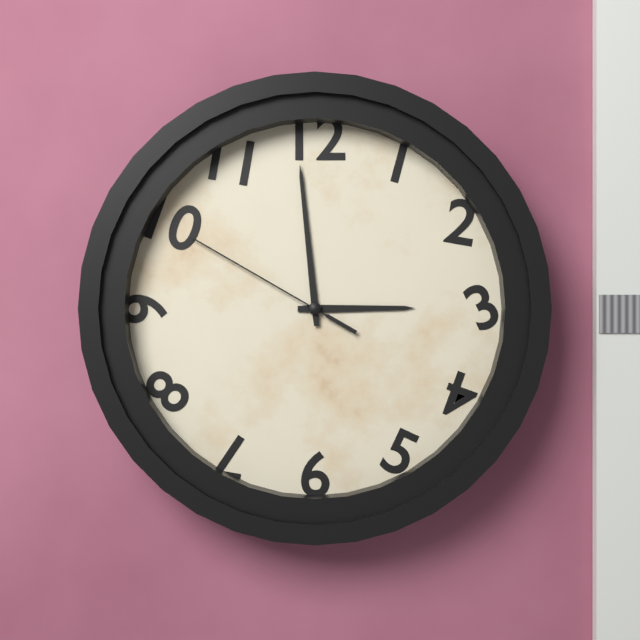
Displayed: 2 h 59 min 50 s
